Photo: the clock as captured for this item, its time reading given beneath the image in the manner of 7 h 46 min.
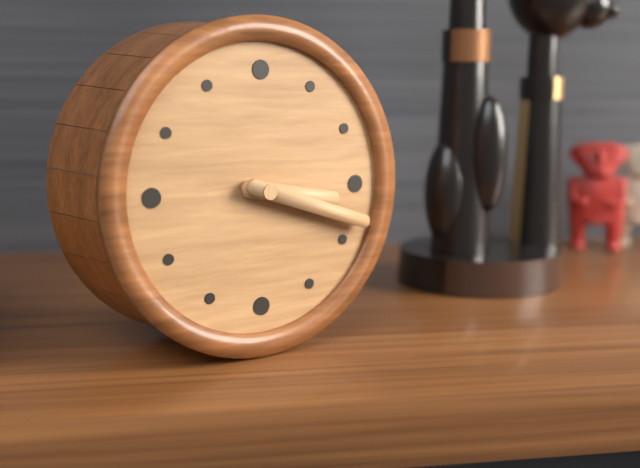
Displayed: 3 h 18 min
